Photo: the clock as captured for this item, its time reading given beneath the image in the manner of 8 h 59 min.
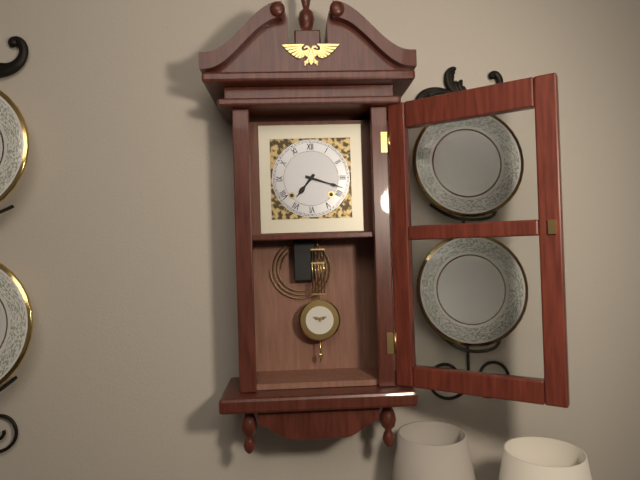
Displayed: 7 h 18 min
